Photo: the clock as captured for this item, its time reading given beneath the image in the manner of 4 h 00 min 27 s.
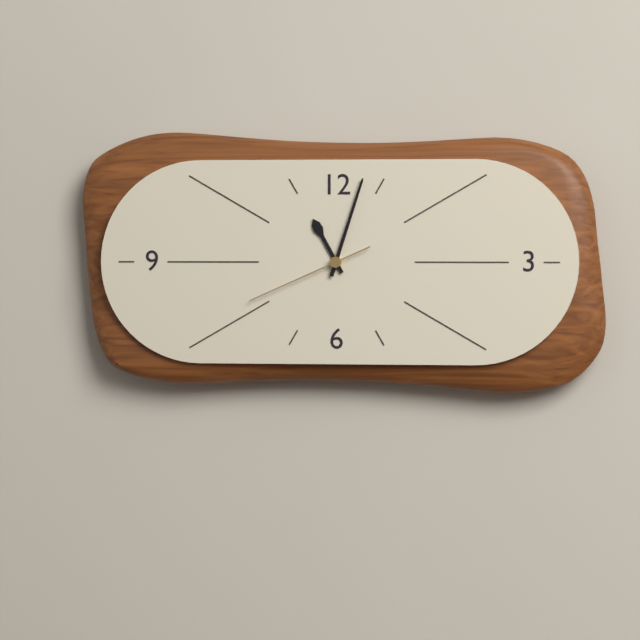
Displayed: 11 h 03 min 41 s
